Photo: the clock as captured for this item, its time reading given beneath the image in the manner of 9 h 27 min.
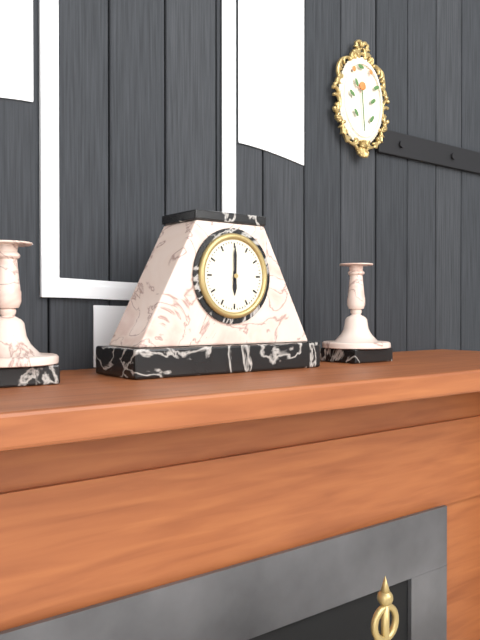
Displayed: 6 h 00 min
